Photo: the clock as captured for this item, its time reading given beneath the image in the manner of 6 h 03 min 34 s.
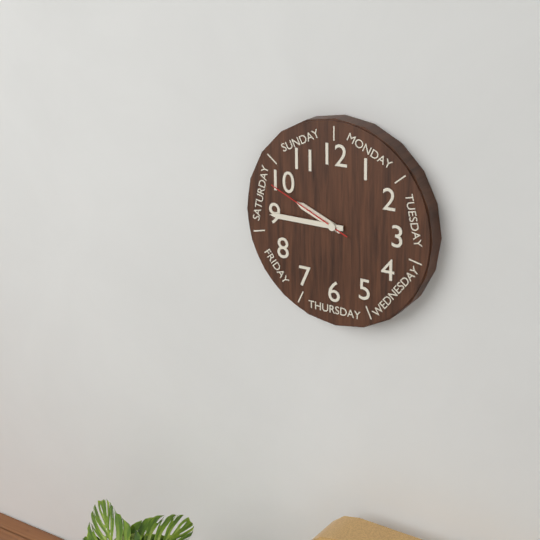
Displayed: 9 h 45 min 49 s
